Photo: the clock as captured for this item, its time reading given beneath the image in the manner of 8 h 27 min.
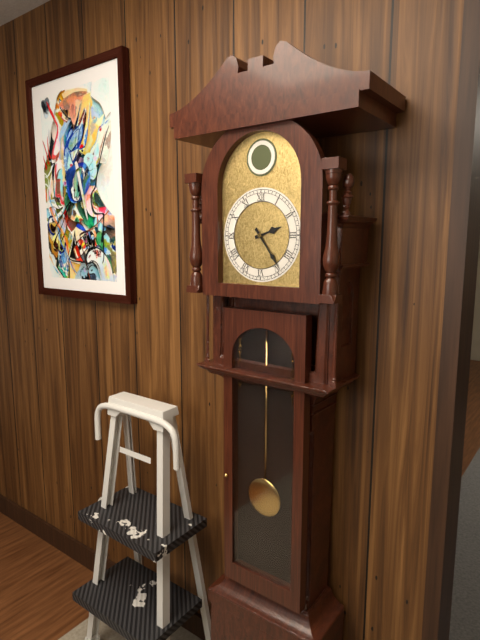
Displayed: 2 h 24 min
